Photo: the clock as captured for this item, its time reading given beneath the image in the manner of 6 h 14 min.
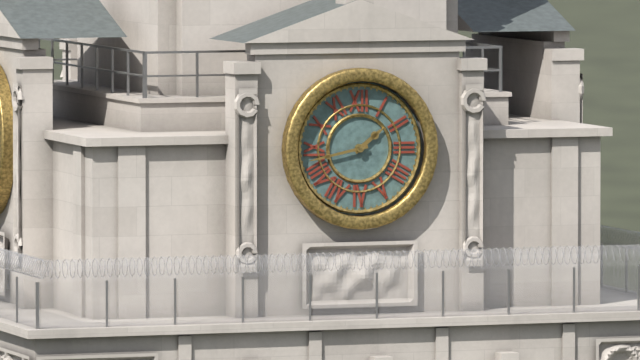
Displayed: 1 h 43 min
